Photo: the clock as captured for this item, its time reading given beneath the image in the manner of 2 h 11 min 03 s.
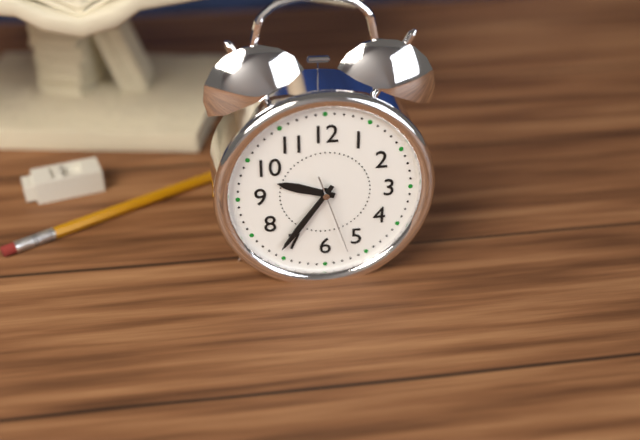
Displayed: 9 h 36 min 27 s
